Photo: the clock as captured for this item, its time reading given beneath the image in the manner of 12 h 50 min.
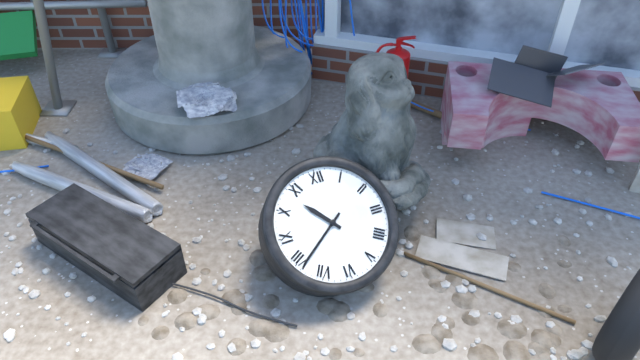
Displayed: 10 h 39 min
